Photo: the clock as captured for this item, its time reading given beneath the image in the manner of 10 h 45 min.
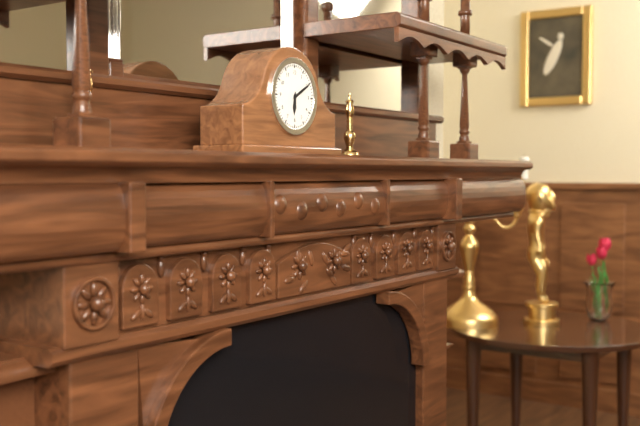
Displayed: 6 h 10 min
